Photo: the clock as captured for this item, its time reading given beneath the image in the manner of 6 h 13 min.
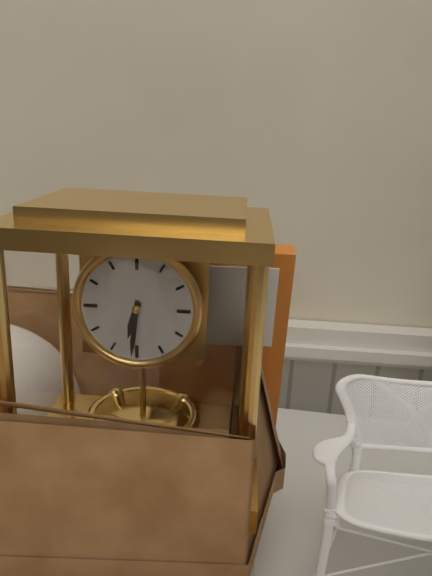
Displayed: 6 h 31 min
